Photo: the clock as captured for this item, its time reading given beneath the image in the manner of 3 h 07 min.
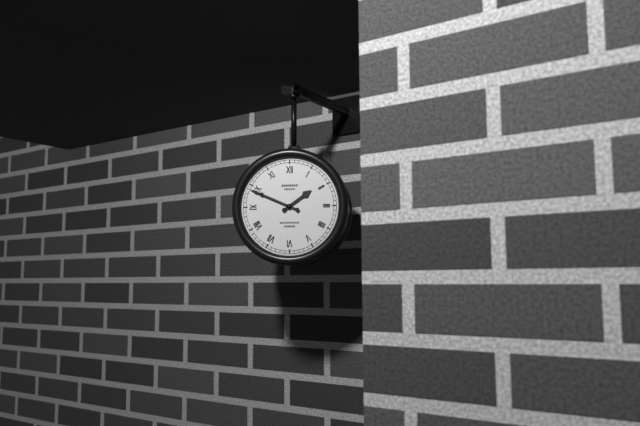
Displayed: 1 h 49 min
